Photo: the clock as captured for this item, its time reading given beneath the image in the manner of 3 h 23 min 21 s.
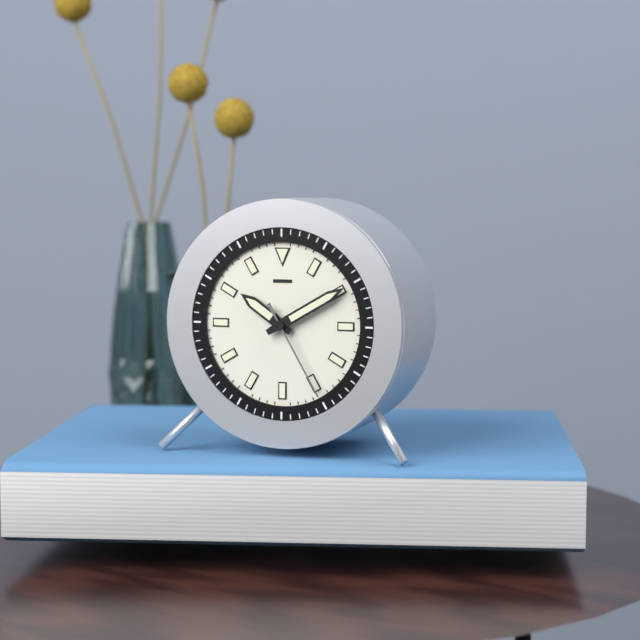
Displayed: 10 h 10 min 25 s
